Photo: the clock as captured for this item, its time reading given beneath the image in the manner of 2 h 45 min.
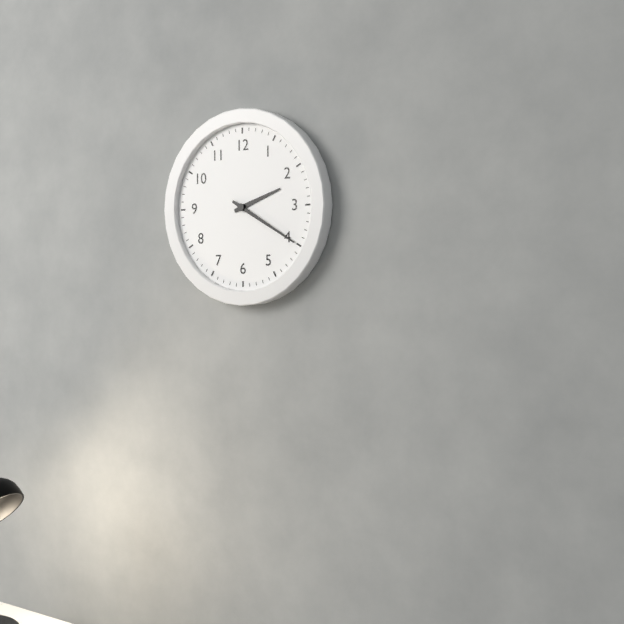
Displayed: 2 h 20 min
